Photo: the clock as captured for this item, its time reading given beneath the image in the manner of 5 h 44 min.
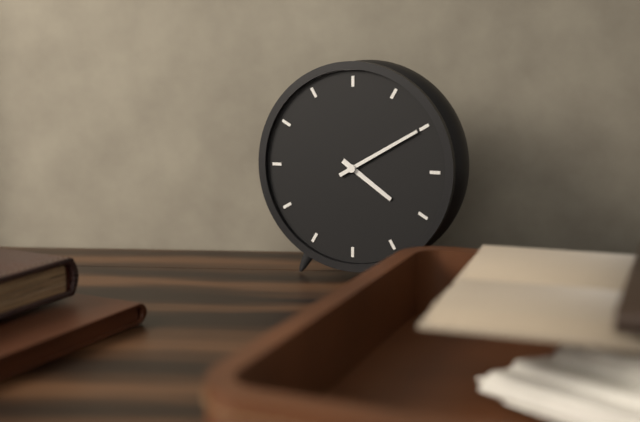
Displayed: 4 h 10 min
